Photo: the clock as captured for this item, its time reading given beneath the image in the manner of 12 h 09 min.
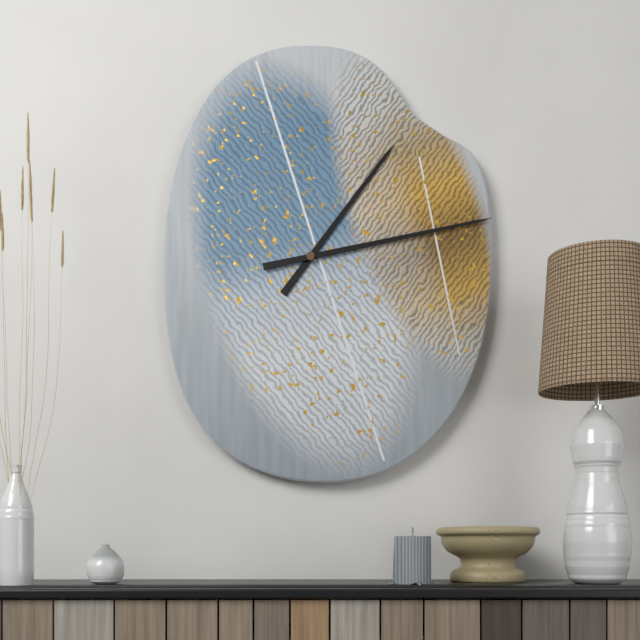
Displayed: 1 h 13 min
